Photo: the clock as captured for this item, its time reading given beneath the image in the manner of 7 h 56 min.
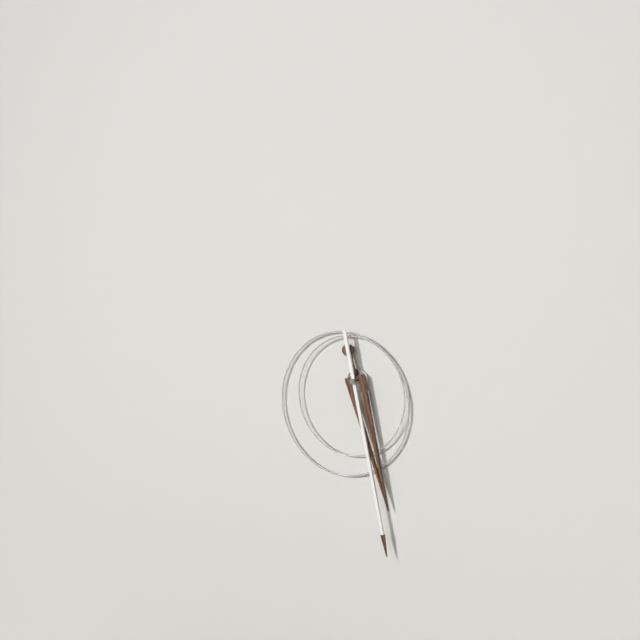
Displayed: 5 h 28 min
